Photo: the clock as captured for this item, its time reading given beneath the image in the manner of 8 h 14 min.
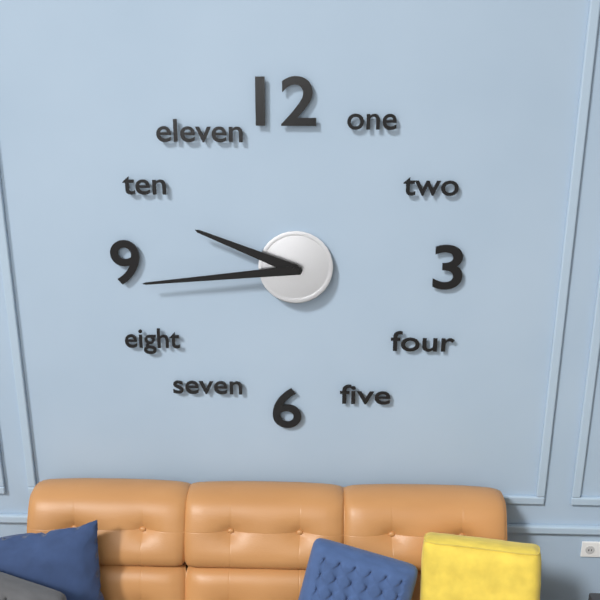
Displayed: 9 h 44 min
